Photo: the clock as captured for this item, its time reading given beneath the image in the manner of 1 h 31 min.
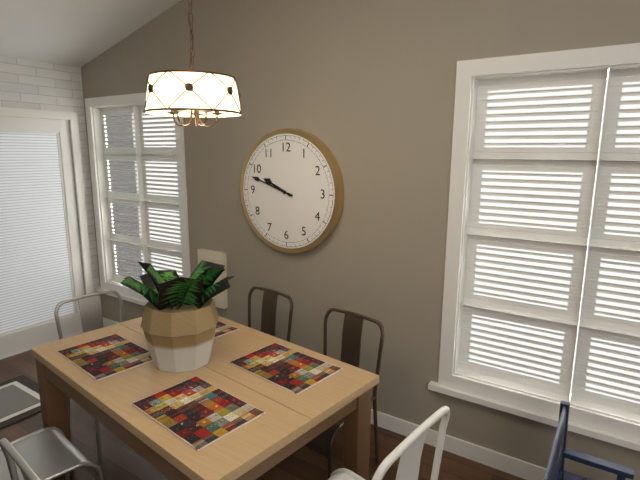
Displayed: 9 h 48 min
